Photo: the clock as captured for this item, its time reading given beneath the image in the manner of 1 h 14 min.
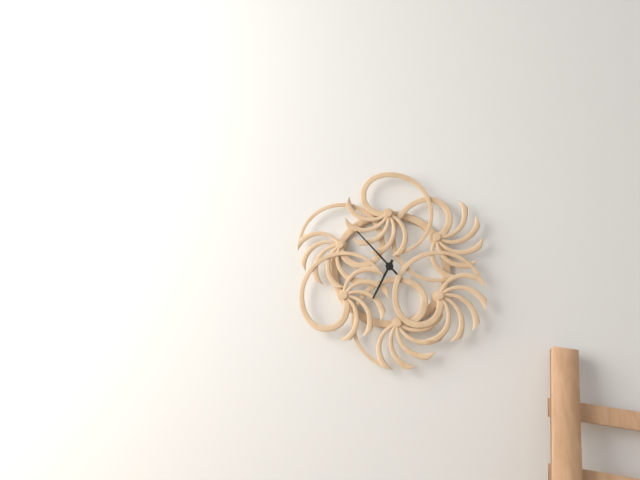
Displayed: 6 h 53 min
